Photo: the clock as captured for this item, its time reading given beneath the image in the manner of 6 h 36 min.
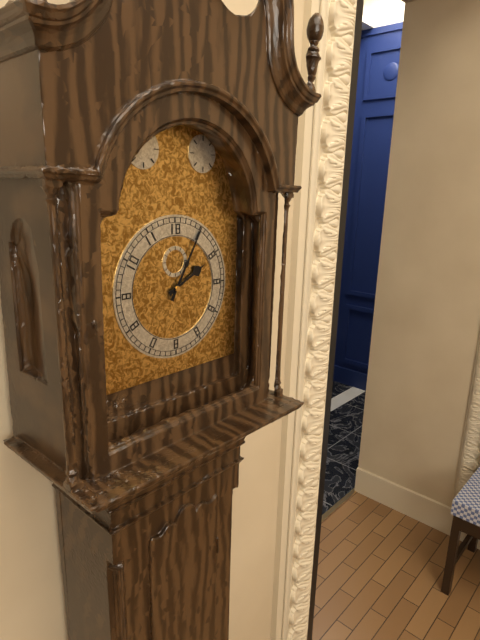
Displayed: 2 h 05 min
